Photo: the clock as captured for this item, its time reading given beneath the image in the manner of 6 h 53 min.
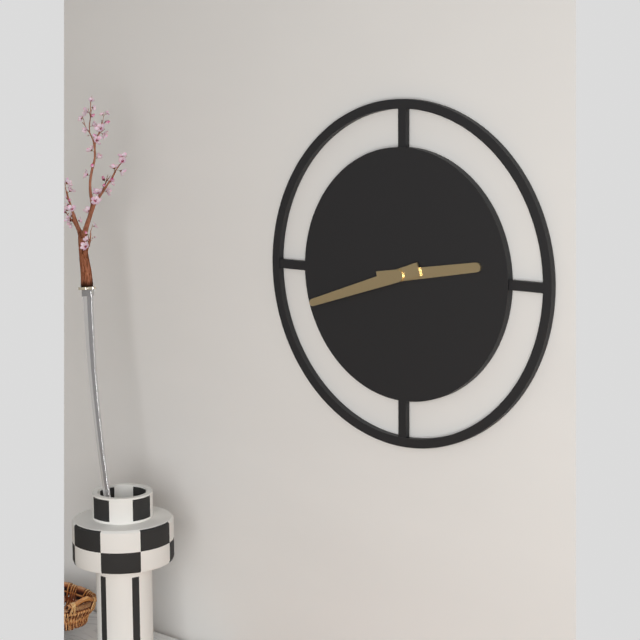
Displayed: 2 h 42 min
